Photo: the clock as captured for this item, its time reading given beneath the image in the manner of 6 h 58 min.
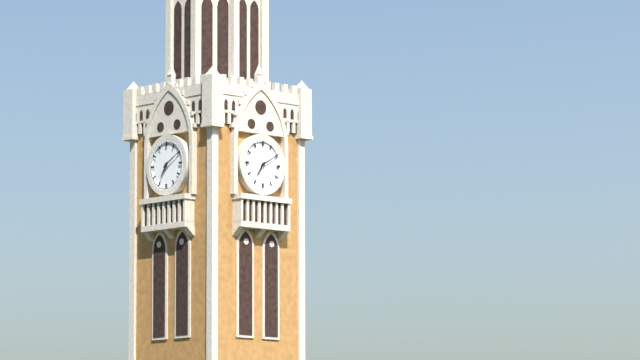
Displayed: 7 h 10 min
